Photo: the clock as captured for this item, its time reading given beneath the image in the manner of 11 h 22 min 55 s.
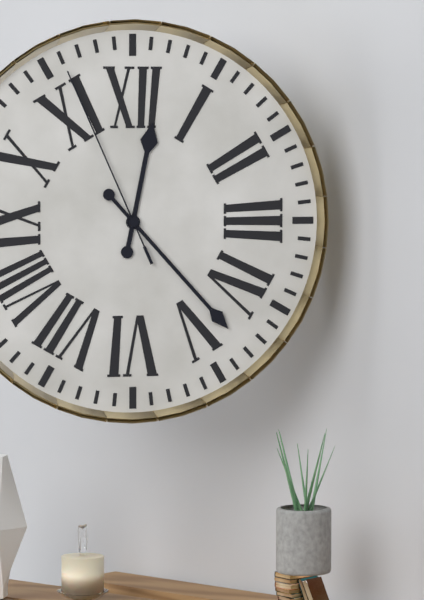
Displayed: 12 h 23 min 56 s
